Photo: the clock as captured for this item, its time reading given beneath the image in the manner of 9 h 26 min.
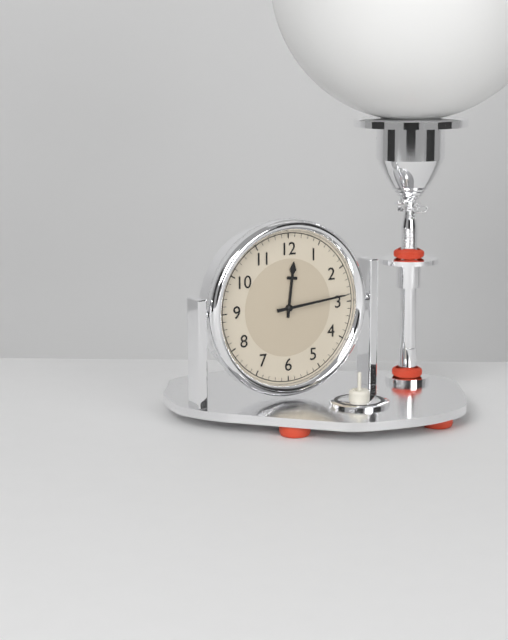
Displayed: 12 h 14 min
